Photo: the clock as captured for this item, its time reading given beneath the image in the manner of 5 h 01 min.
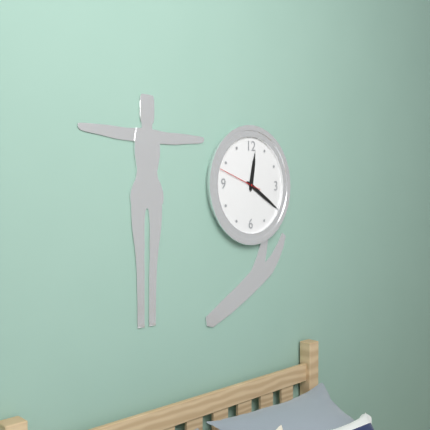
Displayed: 12 h 20 min
